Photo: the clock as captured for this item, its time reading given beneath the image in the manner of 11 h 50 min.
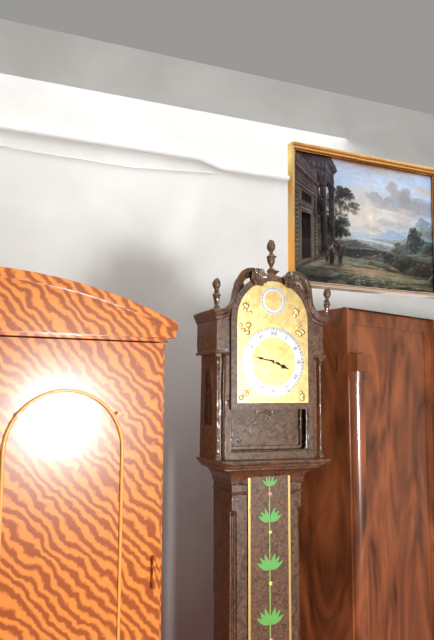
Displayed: 3 h 47 min
